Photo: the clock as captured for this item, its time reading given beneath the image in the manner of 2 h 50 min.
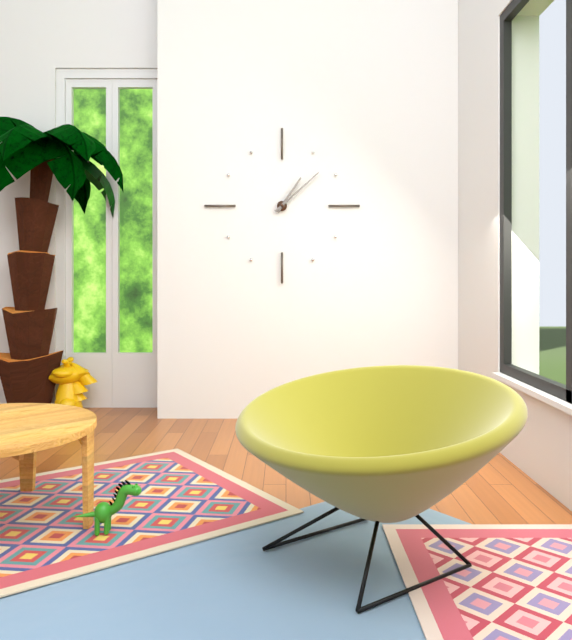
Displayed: 1 h 08 min
